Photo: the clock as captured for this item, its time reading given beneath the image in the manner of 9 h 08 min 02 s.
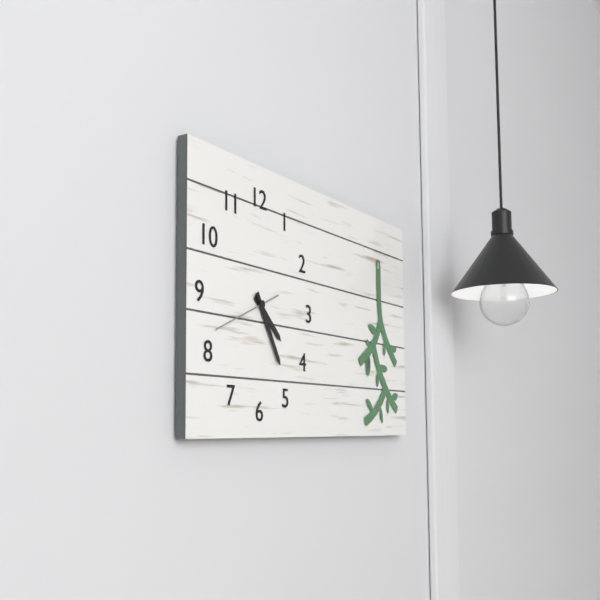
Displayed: 4 h 25 min 41 s
